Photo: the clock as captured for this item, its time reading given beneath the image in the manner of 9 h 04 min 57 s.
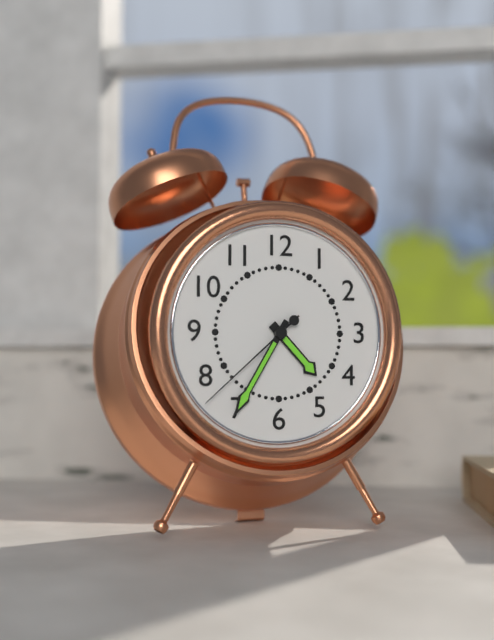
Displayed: 4 h 35 min 38 s
